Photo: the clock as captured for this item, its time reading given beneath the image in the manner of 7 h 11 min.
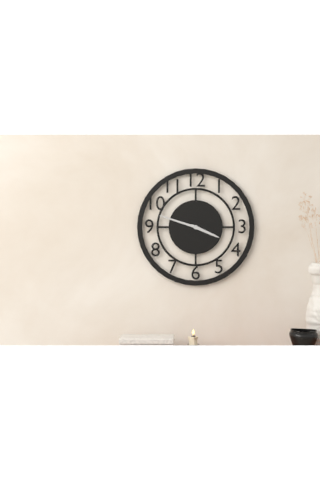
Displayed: 3 h 48 min
